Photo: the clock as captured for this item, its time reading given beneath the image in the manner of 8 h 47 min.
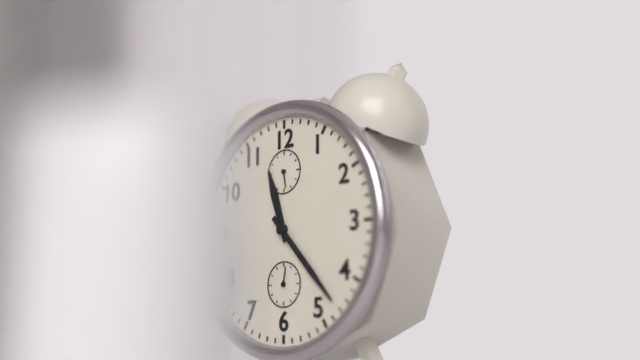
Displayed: 11 h 23 min
